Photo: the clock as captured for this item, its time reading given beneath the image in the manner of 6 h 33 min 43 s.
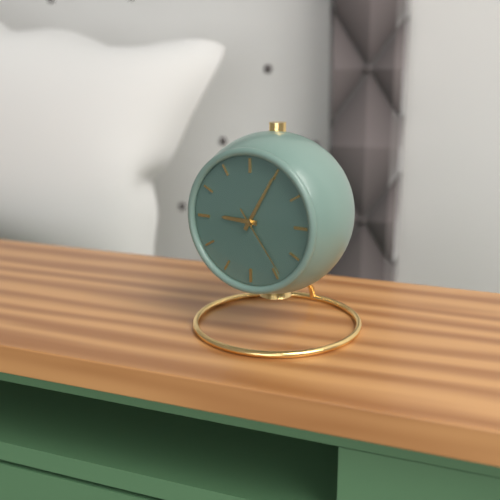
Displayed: 9 h 05 min 24 s
